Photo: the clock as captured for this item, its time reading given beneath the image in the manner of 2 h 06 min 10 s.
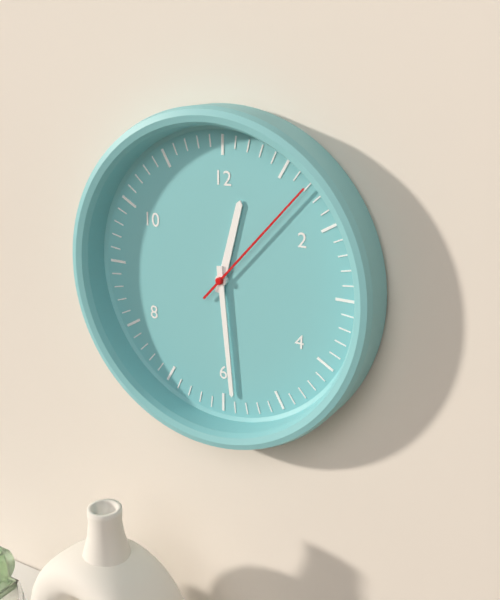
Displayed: 12 h 29 min 07 s
